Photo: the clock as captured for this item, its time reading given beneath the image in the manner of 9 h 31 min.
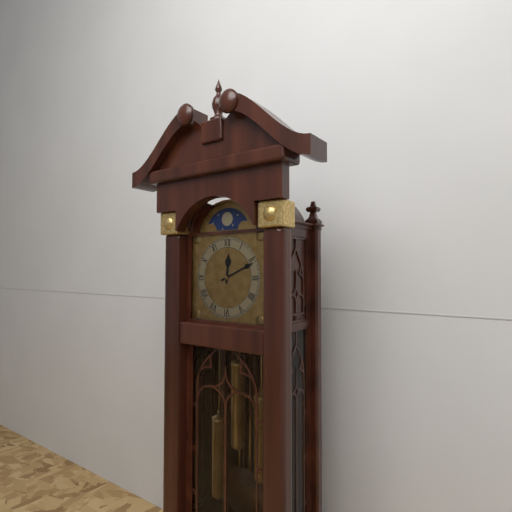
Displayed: 12 h 11 min
